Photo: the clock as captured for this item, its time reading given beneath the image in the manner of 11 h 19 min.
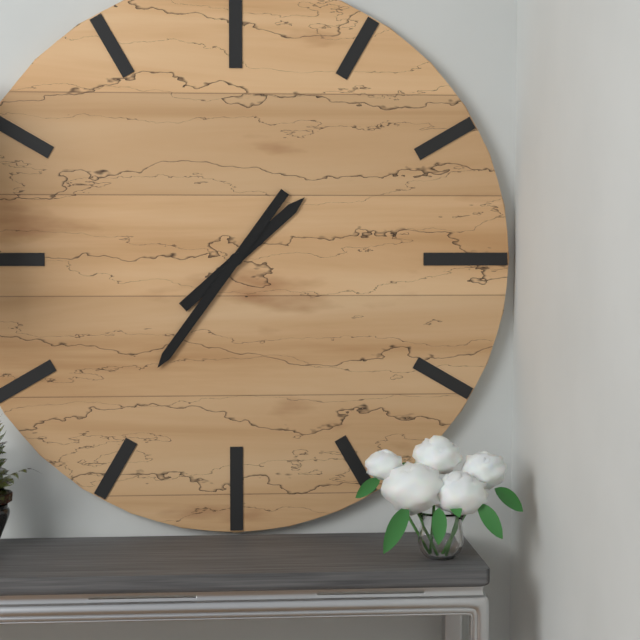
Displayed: 1 h 36 min
